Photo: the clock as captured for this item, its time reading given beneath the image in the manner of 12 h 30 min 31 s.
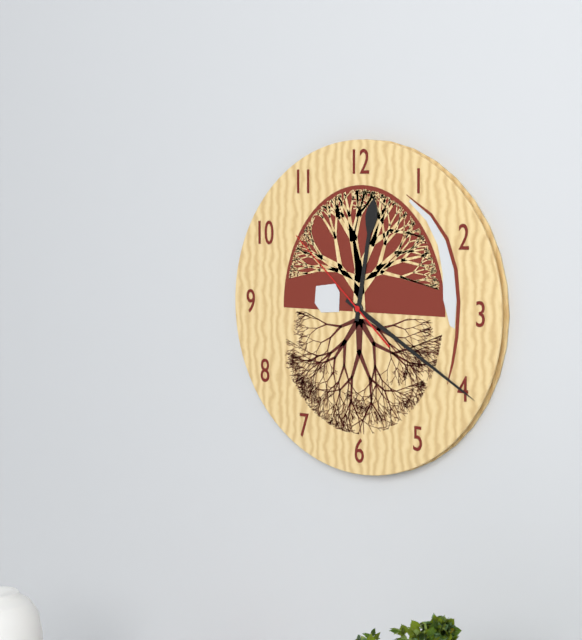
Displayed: 12 h 20 min 52 s
